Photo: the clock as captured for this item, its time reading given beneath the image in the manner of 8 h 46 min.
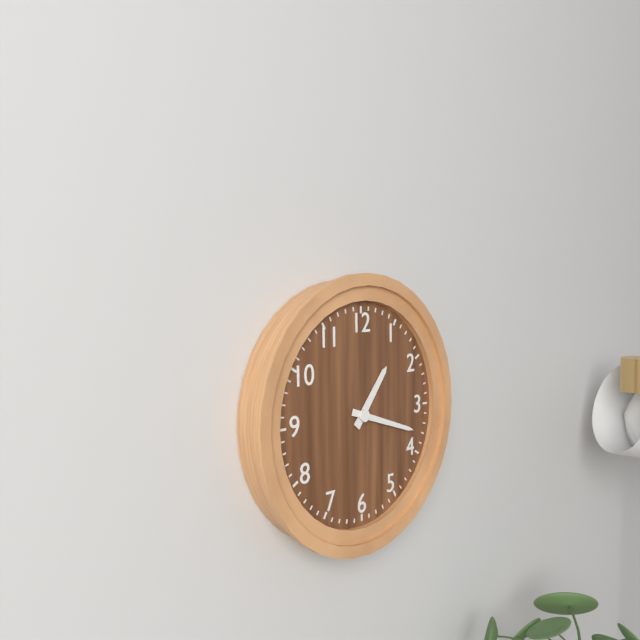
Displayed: 1 h 18 min
